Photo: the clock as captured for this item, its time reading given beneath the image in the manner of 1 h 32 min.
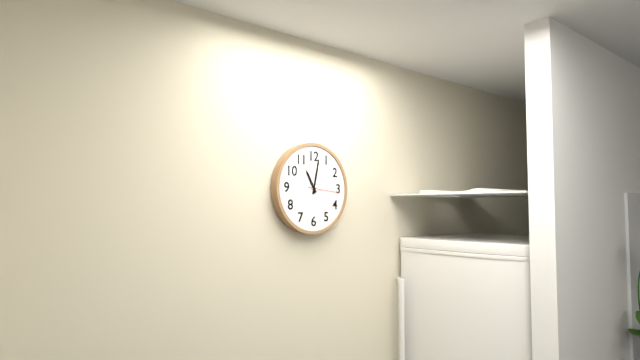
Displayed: 11 h 02 min
